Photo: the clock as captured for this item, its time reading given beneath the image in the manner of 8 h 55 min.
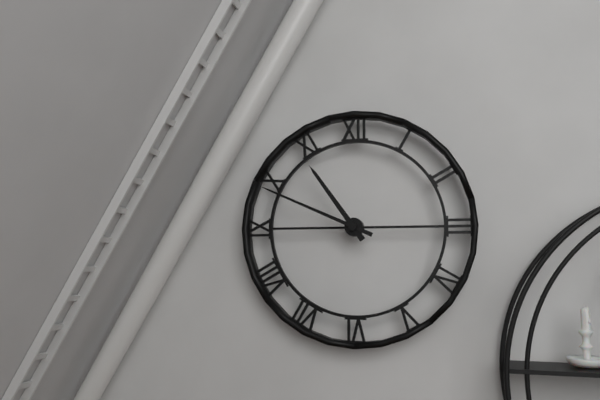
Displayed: 10 h 49 min
